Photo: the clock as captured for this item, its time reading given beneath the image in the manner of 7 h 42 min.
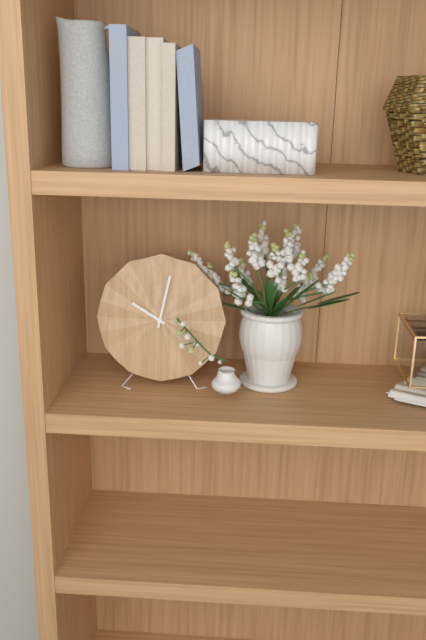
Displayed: 10 h 02 min
